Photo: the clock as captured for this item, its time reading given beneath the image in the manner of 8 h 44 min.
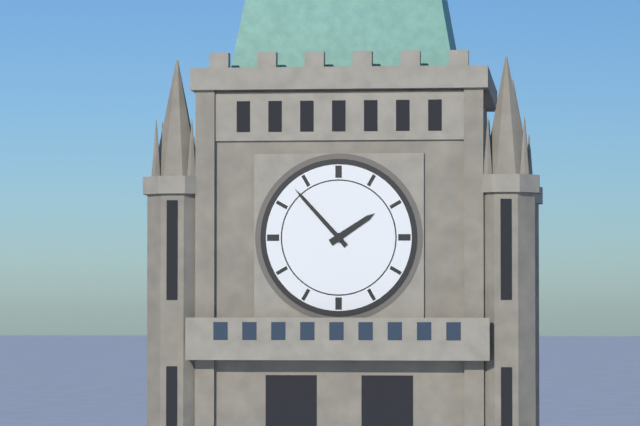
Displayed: 1 h 53 min
